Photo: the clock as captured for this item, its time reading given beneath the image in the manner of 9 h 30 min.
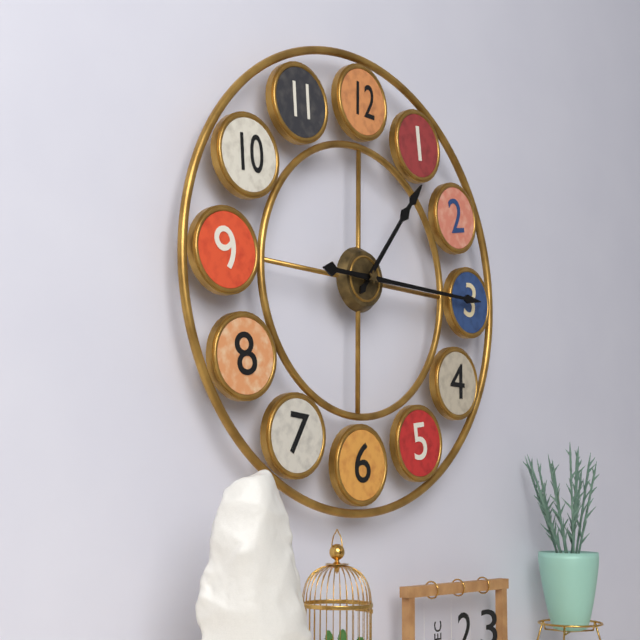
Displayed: 1 h 15 min
